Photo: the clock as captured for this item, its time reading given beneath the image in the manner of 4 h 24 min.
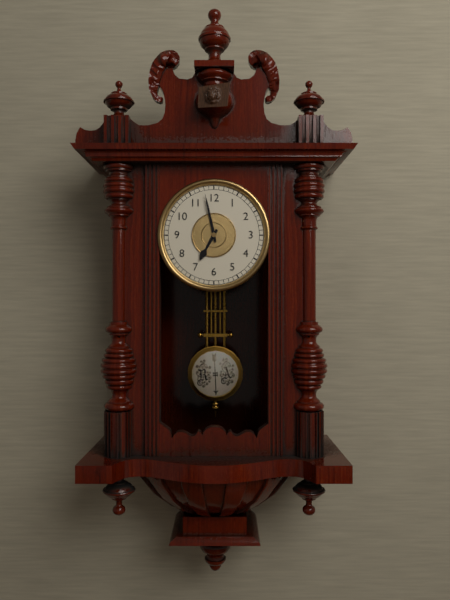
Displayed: 6 h 58 min
